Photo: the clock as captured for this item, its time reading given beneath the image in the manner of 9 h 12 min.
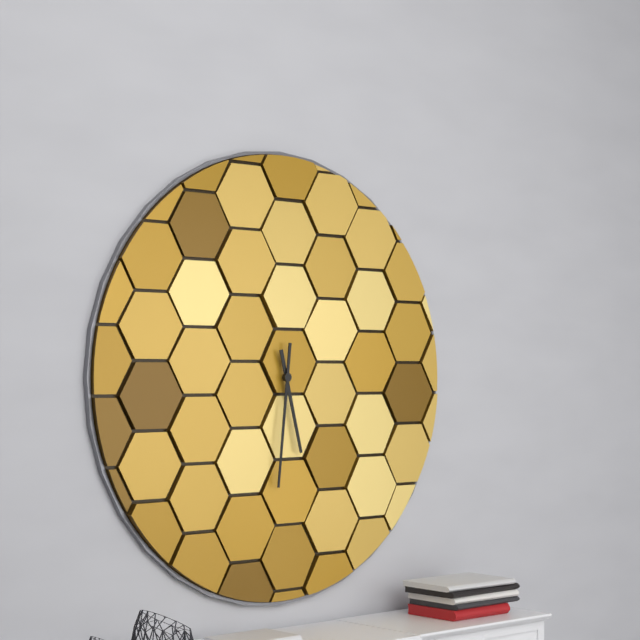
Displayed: 5 h 31 min
